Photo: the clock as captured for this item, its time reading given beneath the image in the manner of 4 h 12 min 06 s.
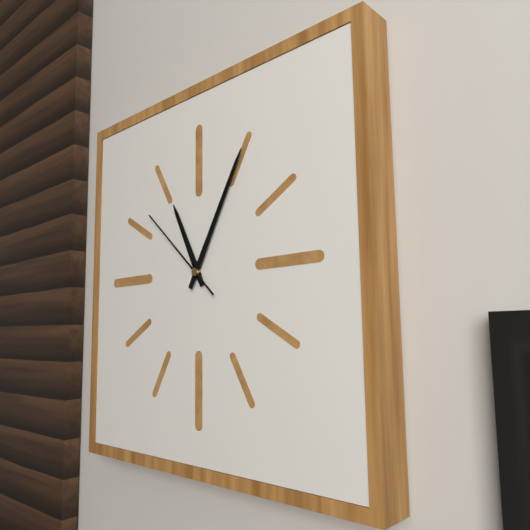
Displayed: 11 h 05 min 52 s
